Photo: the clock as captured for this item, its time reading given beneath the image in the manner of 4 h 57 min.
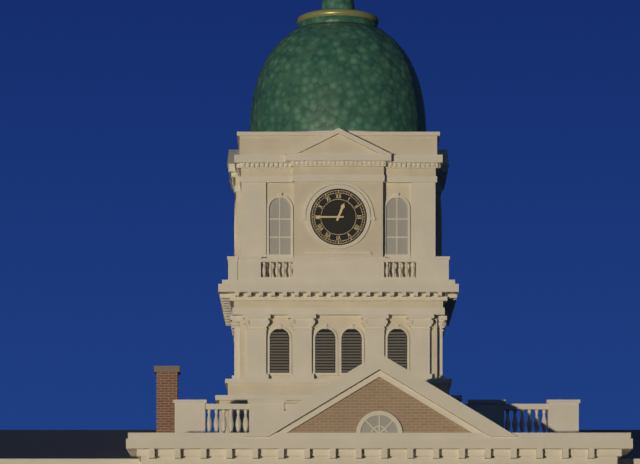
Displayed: 12 h 45 min
